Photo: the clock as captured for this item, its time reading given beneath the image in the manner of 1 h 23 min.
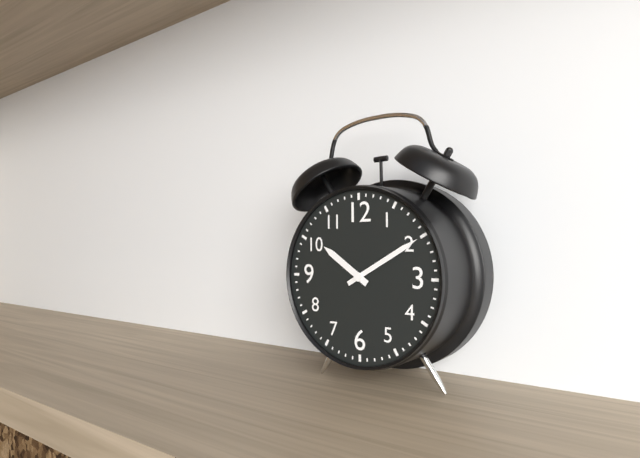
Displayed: 10 h 10 min
